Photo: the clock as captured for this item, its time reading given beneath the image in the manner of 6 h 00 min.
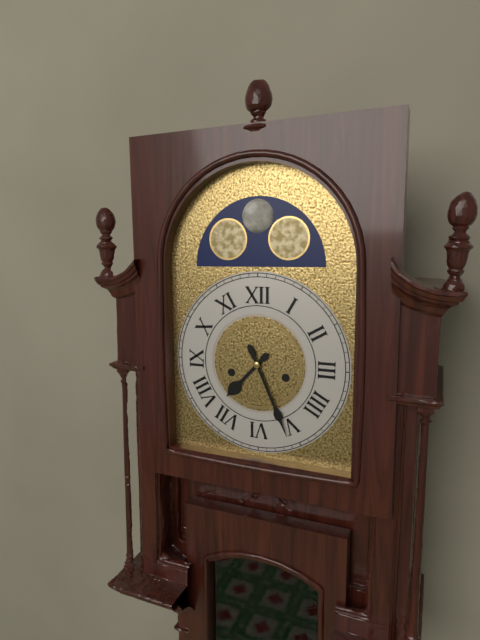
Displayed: 7 h 26 min
